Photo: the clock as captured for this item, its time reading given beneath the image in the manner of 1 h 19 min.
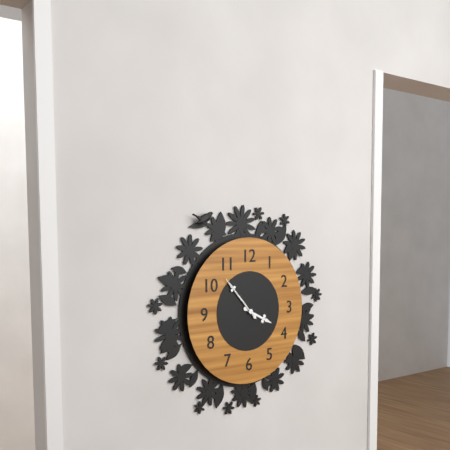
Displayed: 3 h 53 min
